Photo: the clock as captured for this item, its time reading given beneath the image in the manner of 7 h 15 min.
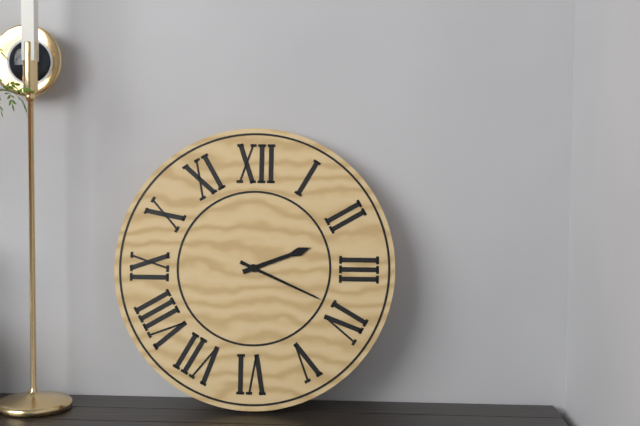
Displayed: 2 h 19 min
